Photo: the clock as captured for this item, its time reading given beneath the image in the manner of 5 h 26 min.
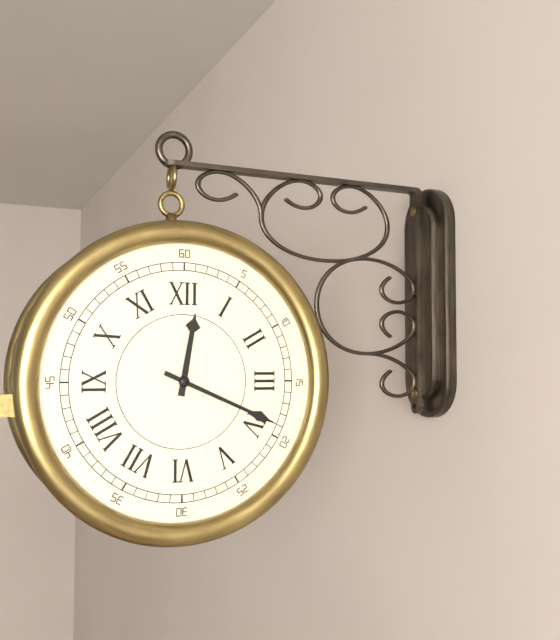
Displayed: 12 h 19 min
